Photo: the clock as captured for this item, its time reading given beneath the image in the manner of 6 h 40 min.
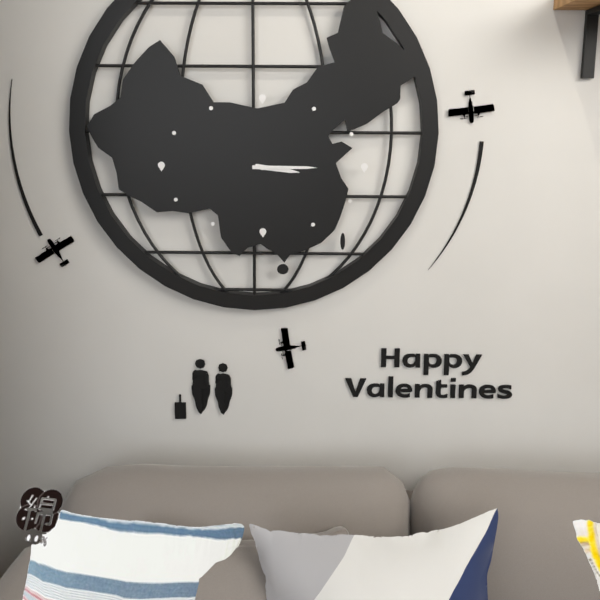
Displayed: 3 h 15 min
